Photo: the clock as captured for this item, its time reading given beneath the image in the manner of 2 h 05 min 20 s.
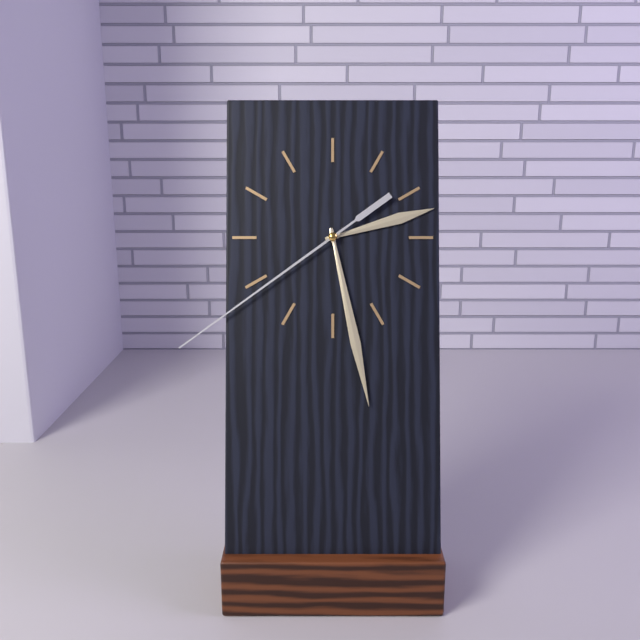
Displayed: 2 h 28 min 39 s
